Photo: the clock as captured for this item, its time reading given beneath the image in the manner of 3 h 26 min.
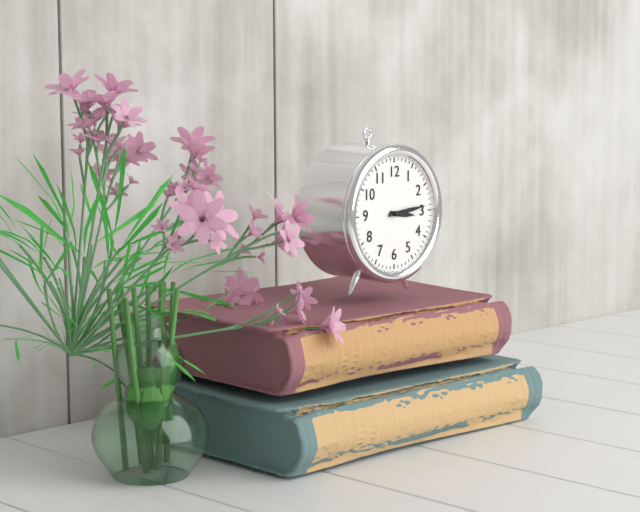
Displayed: 3 h 14 min
